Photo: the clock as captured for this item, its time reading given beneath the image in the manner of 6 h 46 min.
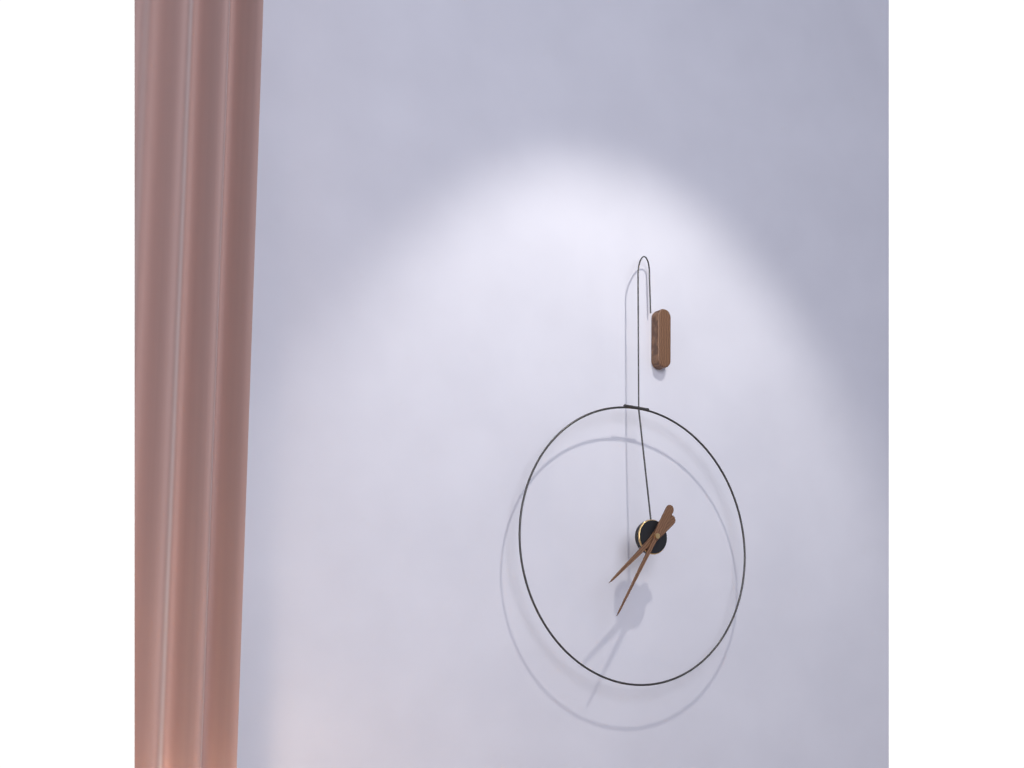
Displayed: 7 h 35 min
